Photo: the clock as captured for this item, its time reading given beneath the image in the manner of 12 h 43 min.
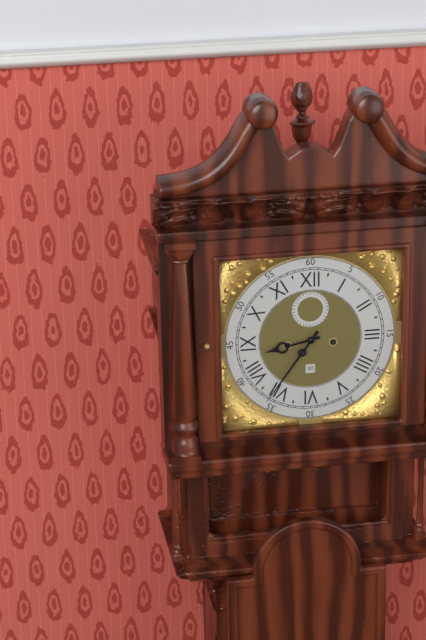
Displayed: 8 h 36 min
